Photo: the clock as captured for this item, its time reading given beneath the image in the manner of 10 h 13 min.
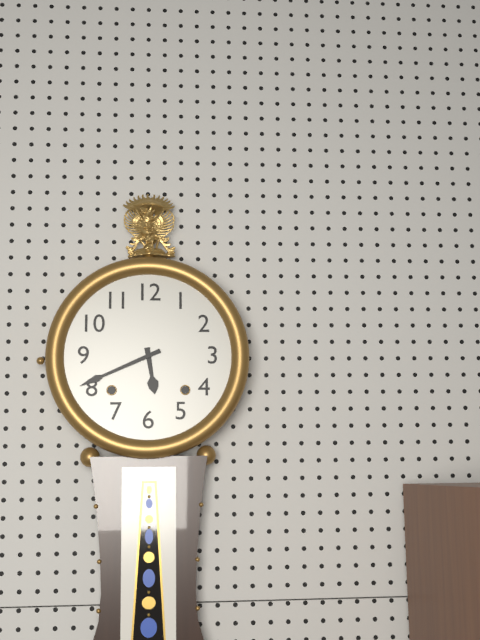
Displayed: 5 h 41 min
